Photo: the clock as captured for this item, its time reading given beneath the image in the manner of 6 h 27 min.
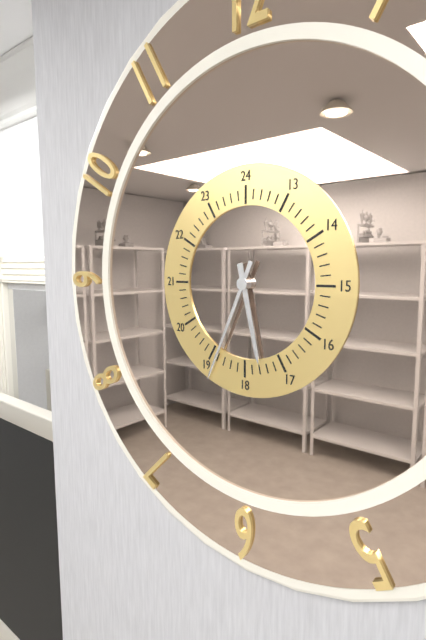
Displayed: 5 h 34 min
